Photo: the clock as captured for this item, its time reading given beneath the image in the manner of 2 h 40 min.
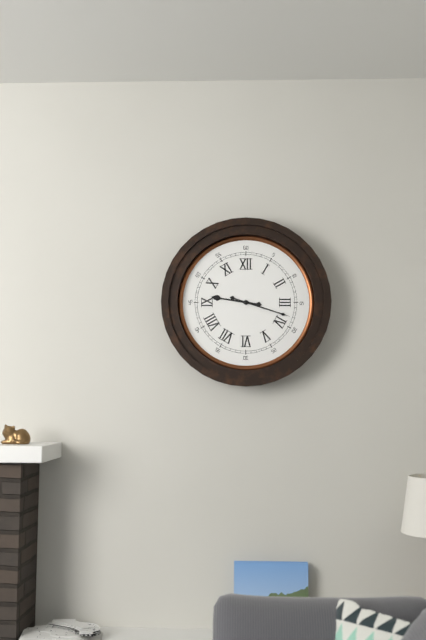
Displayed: 9 h 18 min
